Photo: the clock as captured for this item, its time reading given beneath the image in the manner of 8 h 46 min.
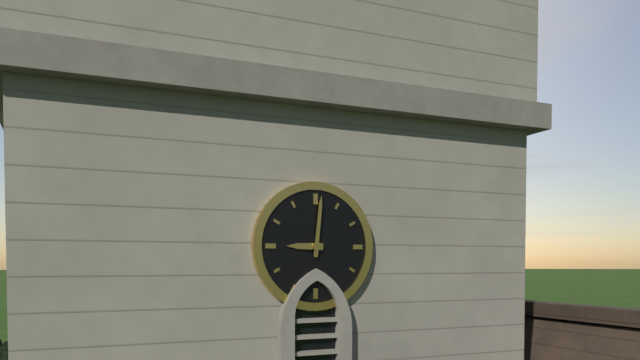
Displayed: 9 h 01 min
